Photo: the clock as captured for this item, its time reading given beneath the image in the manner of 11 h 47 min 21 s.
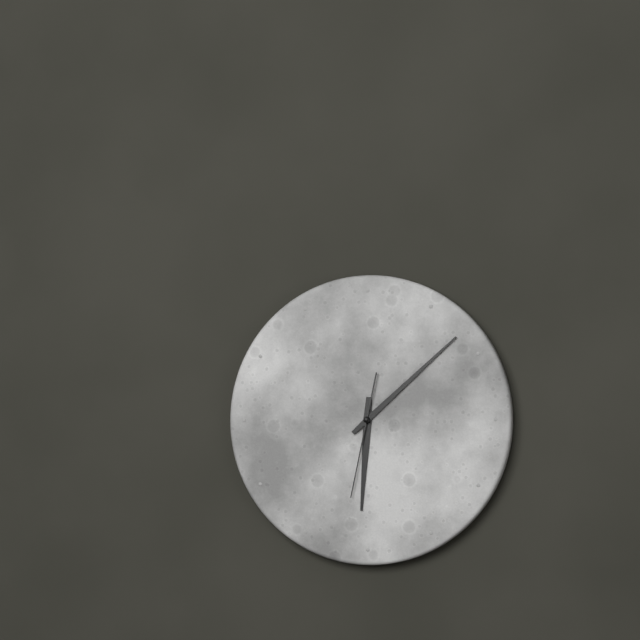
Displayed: 6 h 08 min 32 s
